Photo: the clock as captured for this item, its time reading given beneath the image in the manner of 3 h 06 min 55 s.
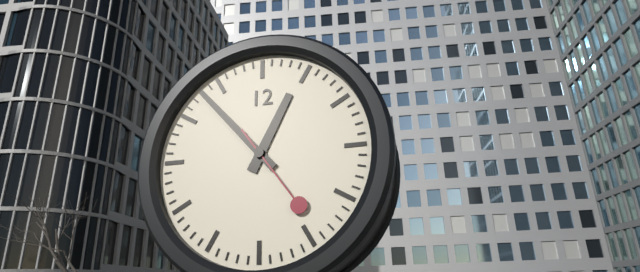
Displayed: 12 h 53 min 24 s
